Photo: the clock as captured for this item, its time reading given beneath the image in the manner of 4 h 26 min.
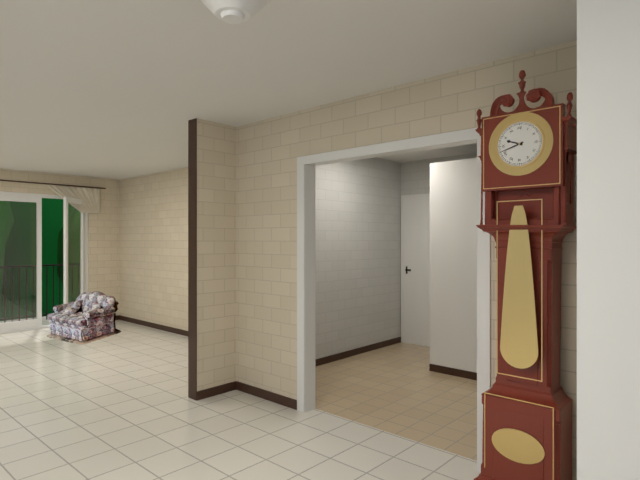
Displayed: 9 h 42 min
